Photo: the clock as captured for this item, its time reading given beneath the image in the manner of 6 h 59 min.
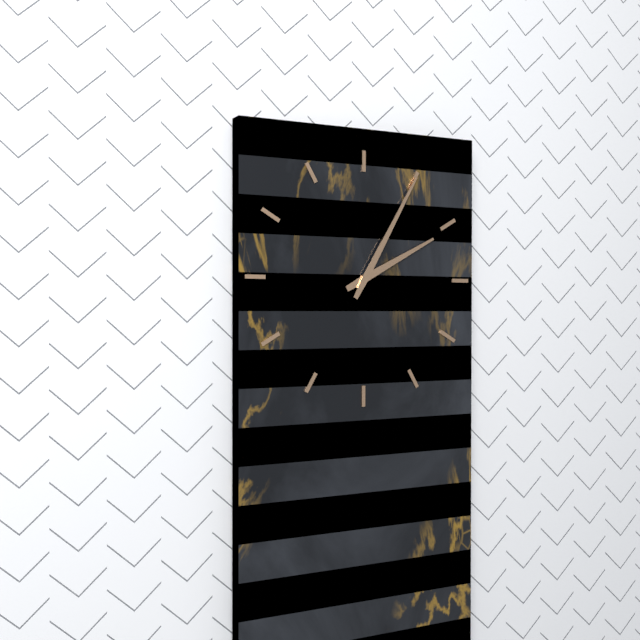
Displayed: 2 h 05 min
